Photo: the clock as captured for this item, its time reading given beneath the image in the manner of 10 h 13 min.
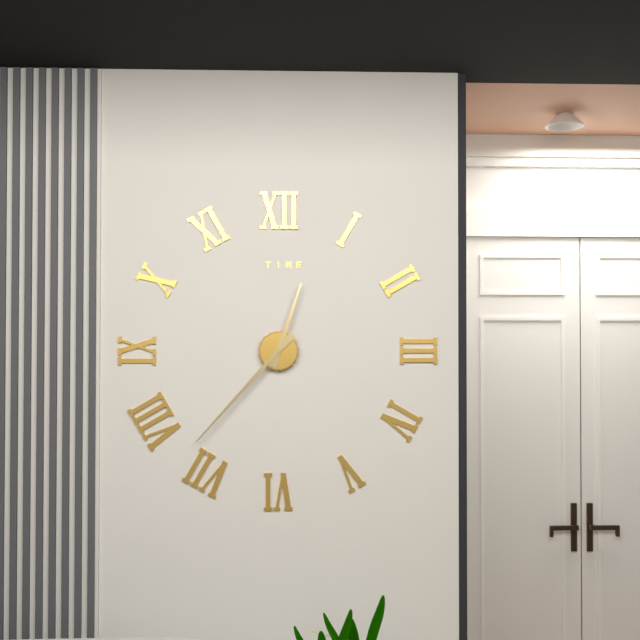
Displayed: 12 h 37 min
